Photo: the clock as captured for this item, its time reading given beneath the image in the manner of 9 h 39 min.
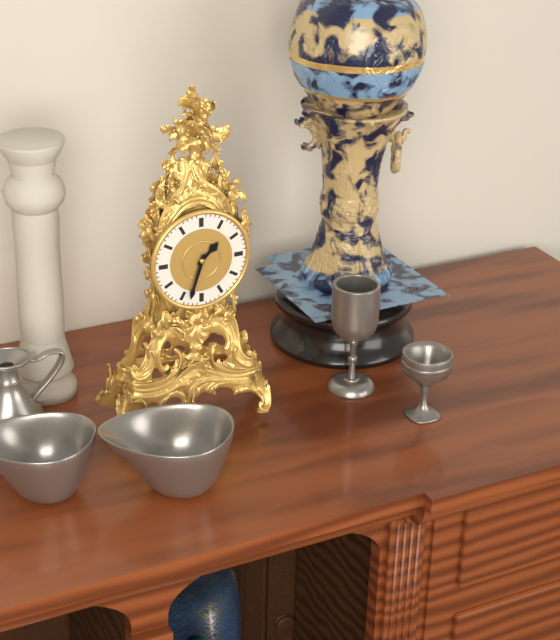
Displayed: 1 h 33 min
